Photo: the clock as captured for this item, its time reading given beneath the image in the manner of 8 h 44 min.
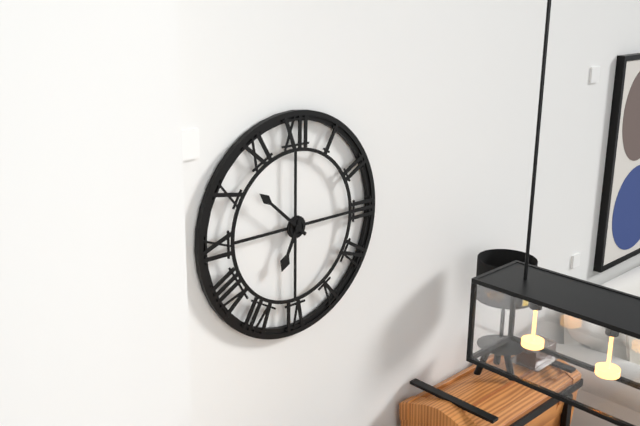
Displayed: 6 h 52 min
